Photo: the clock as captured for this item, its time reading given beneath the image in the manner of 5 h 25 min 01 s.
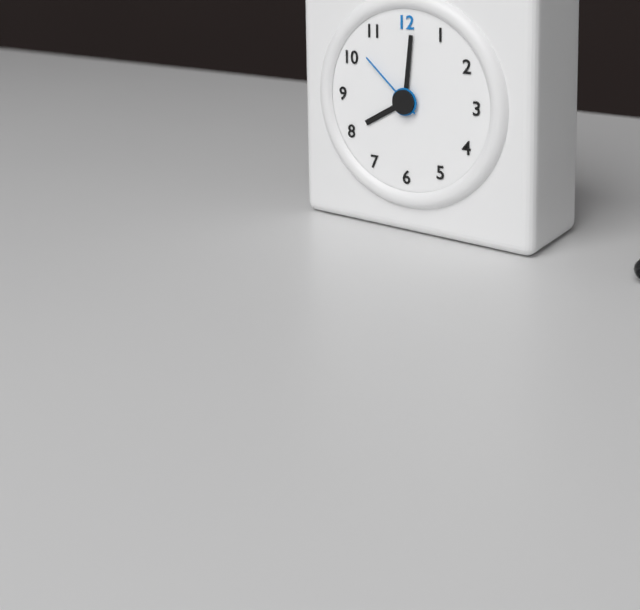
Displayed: 8 h 01 min 52 s
